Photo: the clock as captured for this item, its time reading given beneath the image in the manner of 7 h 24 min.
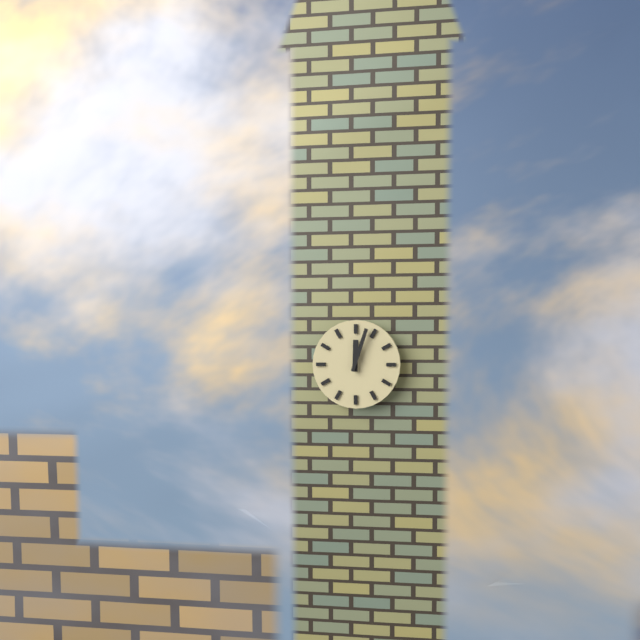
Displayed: 12 h 03 min
